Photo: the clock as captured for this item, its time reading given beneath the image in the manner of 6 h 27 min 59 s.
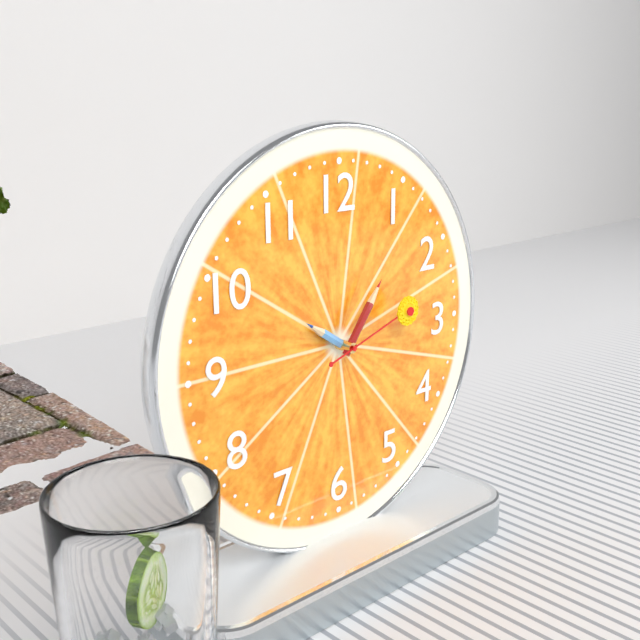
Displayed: 10 h 06 min 12 s
